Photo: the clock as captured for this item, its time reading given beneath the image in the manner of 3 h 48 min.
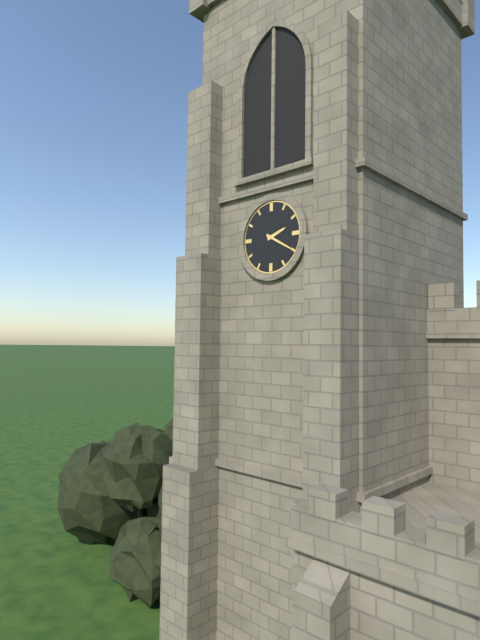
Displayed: 2 h 20 min
